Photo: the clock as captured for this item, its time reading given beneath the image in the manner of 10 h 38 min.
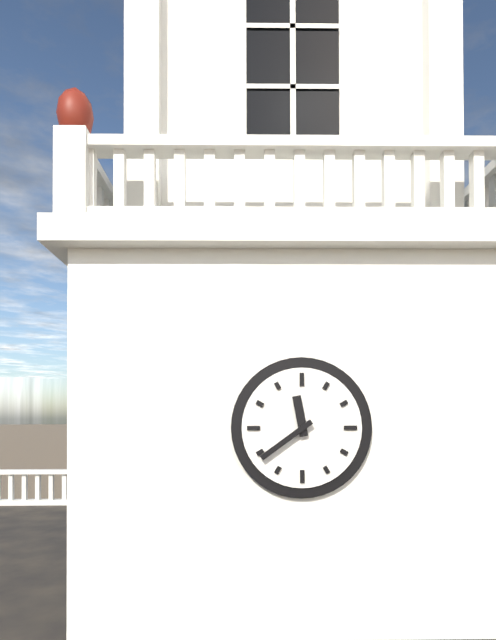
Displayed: 11 h 39 min
